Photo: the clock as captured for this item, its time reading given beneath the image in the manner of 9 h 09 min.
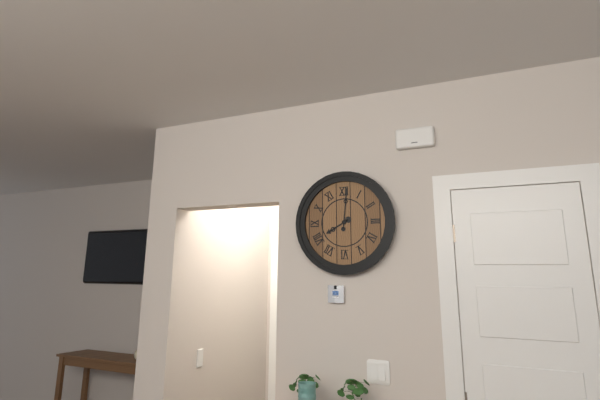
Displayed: 8 h 01 min
